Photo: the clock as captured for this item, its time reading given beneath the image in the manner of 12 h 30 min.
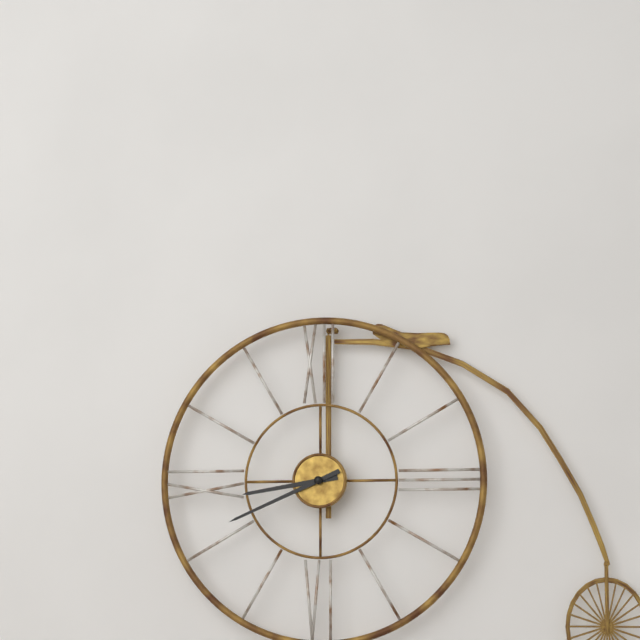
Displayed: 8 h 41 min
